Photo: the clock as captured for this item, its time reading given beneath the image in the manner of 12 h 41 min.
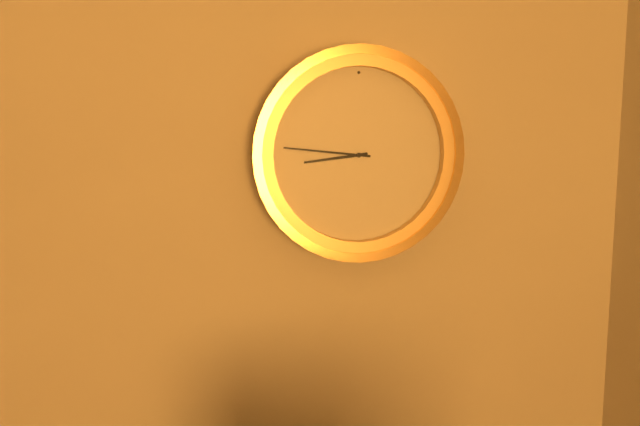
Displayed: 8 h 46 min
